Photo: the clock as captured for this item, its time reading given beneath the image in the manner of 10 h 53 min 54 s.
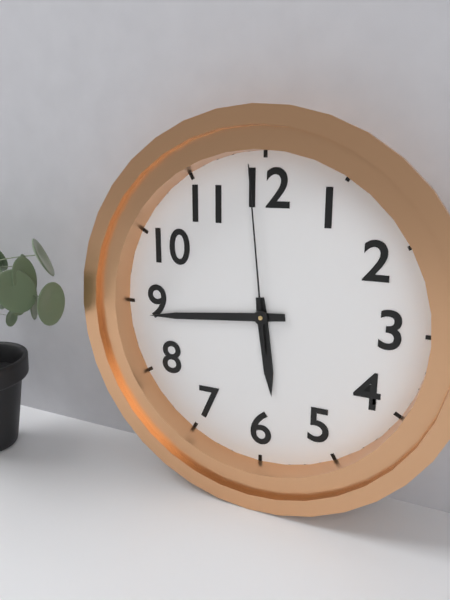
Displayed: 5 h 44 min 59 s
